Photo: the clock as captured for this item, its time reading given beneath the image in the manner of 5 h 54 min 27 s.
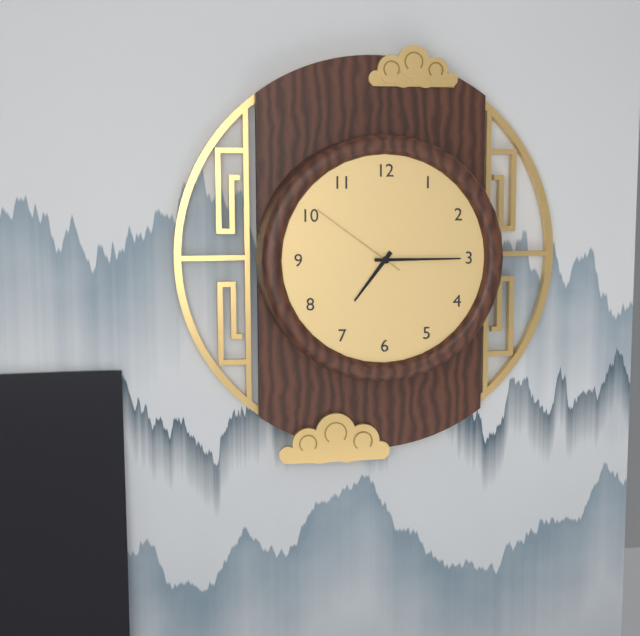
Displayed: 7 h 15 min 51 s
